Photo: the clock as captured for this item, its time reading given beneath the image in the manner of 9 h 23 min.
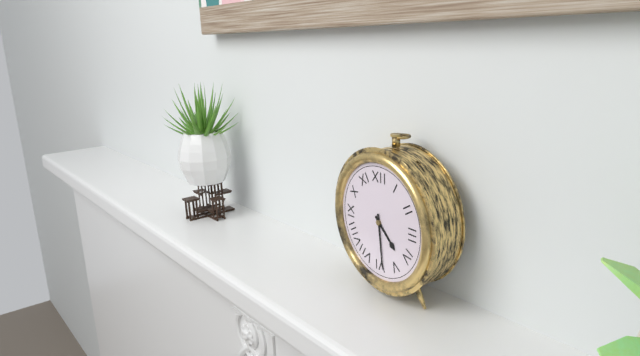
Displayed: 4 h 29 min
